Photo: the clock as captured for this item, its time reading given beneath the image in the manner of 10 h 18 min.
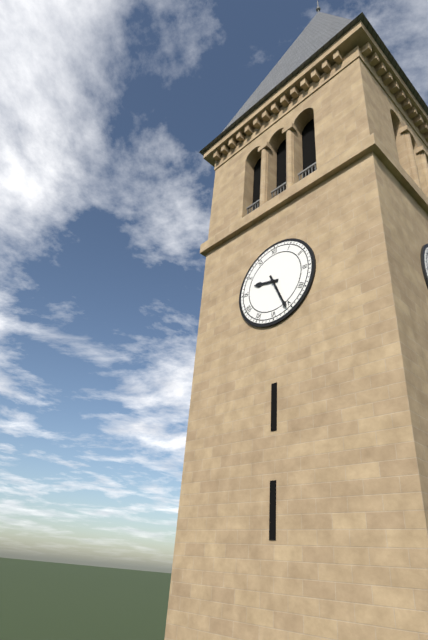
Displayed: 9 h 26 min
